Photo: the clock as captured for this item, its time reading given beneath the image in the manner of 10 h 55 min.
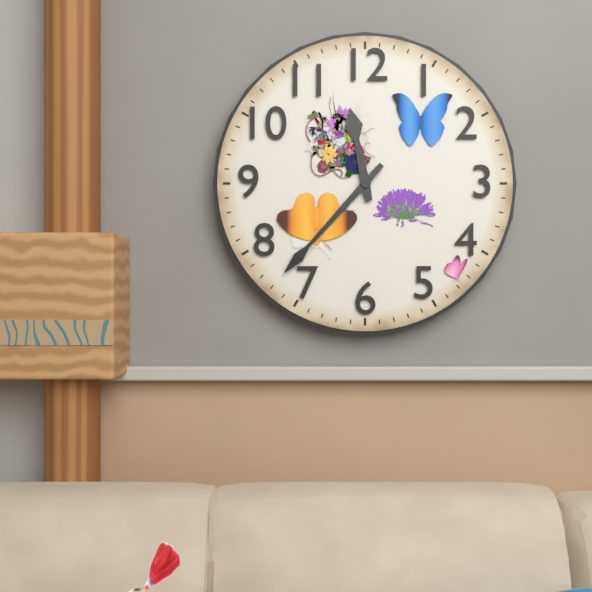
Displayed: 11 h 37 min
